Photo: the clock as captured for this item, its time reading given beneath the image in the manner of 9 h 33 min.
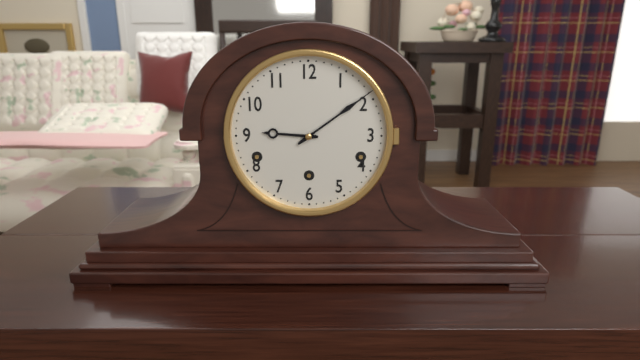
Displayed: 9 h 09 min
